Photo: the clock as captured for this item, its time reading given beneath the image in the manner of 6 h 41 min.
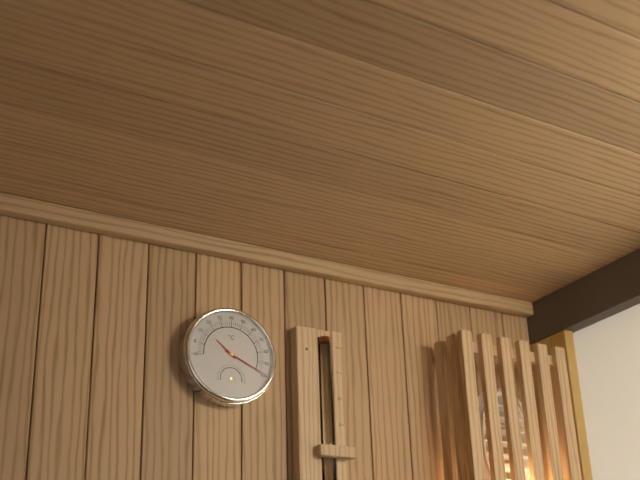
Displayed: 10 h 19 min
